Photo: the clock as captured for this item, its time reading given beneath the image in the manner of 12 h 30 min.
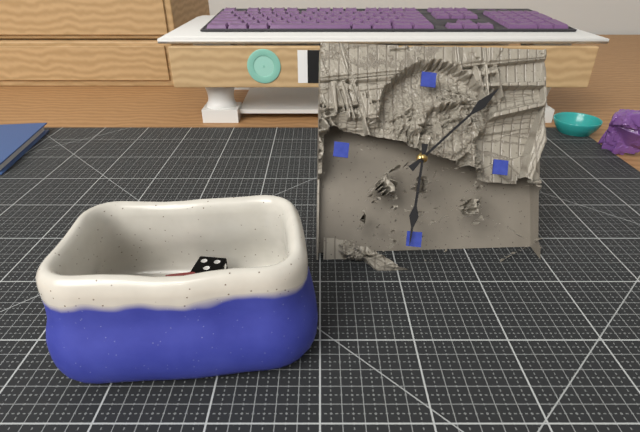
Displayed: 6 h 07 min
